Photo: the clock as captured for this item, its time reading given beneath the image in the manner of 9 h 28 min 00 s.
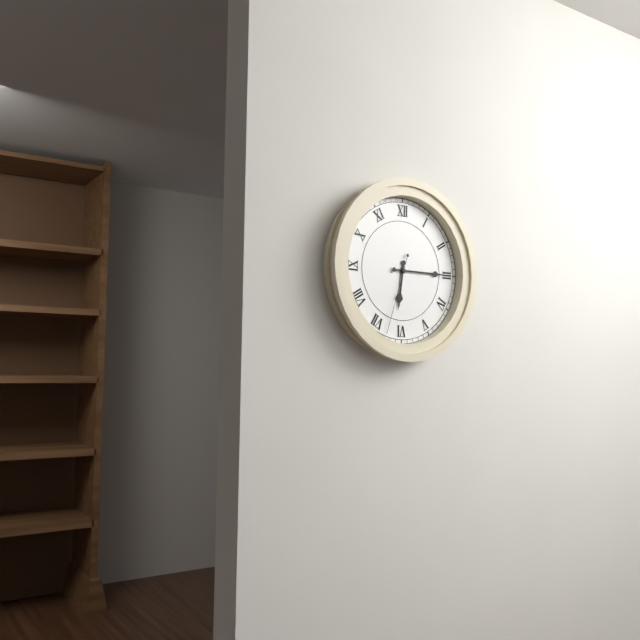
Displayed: 6 h 15 min 33 s
